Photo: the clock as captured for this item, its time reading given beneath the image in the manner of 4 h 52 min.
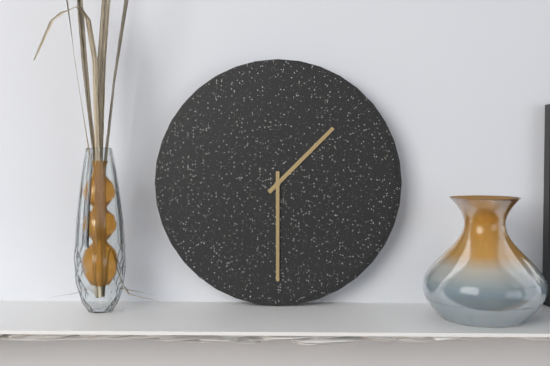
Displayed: 1 h 30 min
